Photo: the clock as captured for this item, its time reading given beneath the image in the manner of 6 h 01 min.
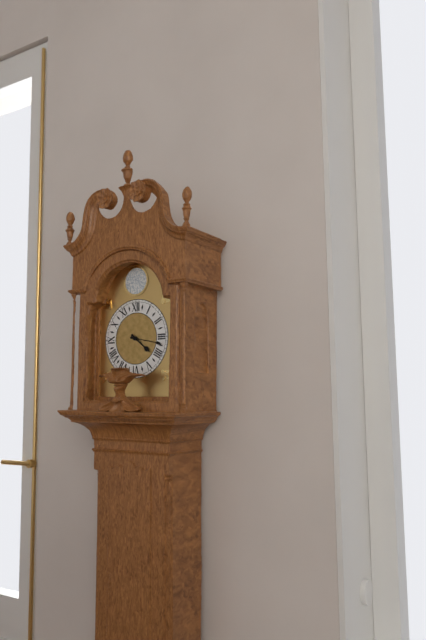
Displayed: 4 h 17 min
